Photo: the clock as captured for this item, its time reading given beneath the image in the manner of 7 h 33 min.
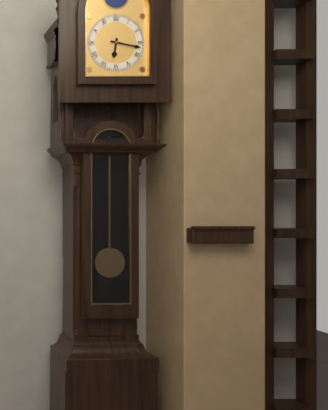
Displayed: 6 h 17 min
